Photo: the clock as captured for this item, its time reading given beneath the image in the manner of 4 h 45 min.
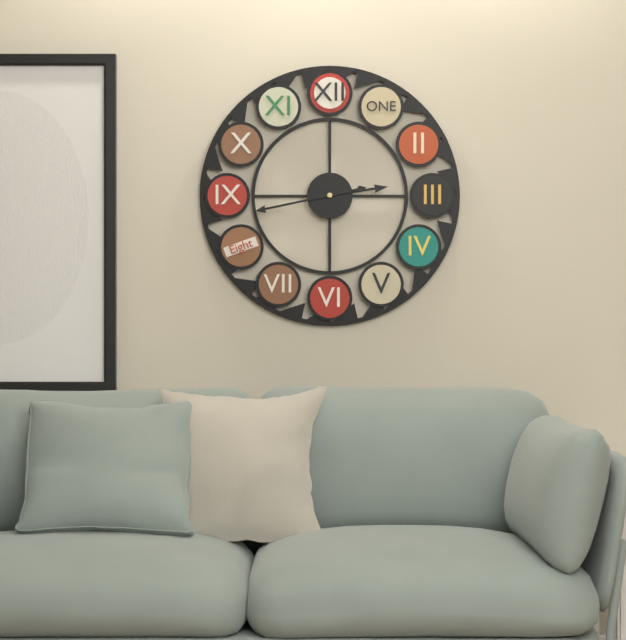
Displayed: 2 h 43 min
